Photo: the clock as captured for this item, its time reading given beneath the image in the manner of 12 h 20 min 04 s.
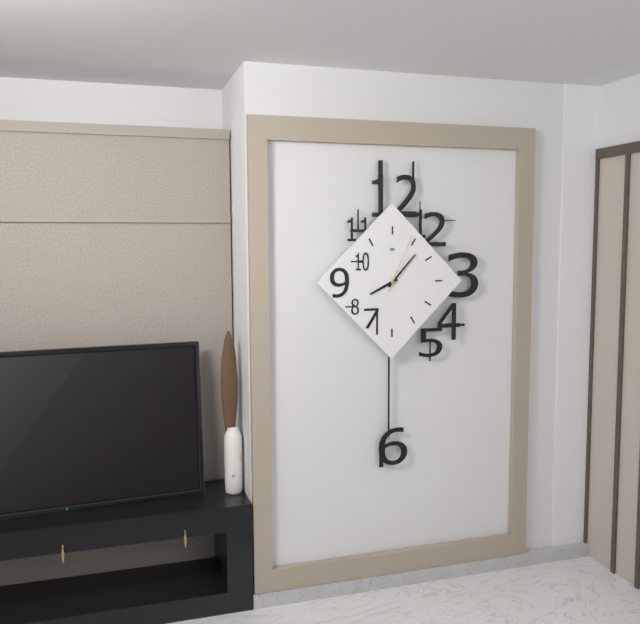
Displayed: 8 h 07 min 04 s
